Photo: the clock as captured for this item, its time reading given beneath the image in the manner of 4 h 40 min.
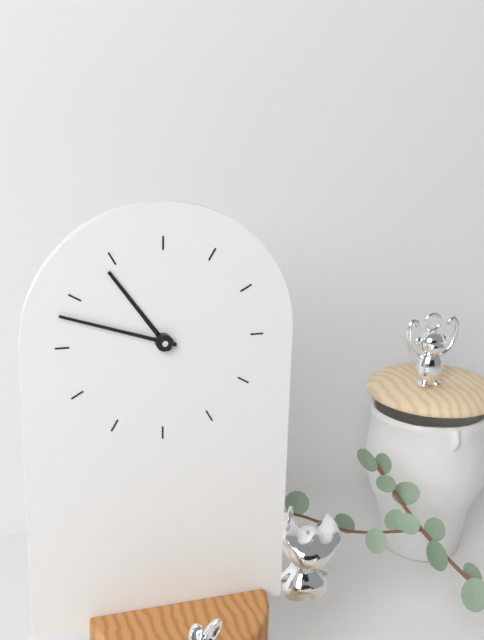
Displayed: 10 h 48 min
